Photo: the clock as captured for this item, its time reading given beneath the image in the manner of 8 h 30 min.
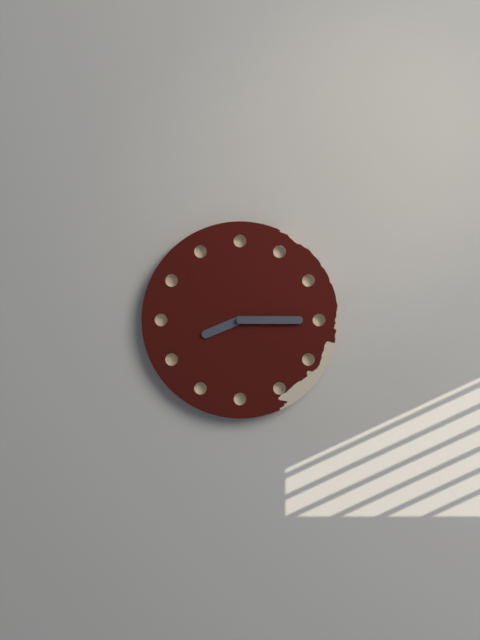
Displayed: 8 h 15 min
